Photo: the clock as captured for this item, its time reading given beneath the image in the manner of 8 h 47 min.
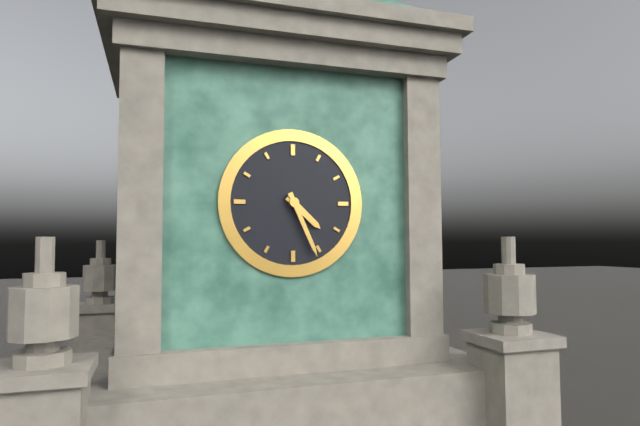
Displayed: 4 h 26 min
